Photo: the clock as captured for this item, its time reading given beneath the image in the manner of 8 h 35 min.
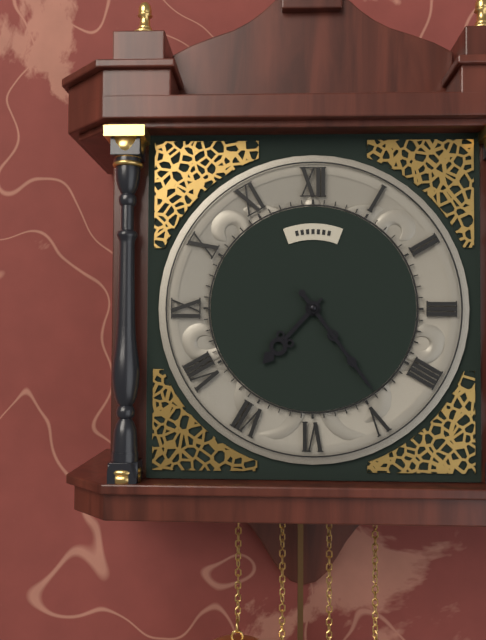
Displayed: 7 h 24 min
